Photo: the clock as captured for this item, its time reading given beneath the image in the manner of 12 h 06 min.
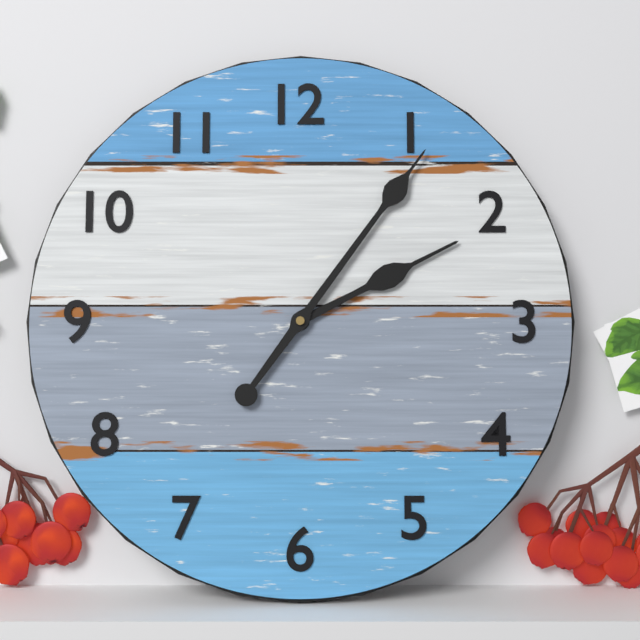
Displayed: 2 h 06 min
